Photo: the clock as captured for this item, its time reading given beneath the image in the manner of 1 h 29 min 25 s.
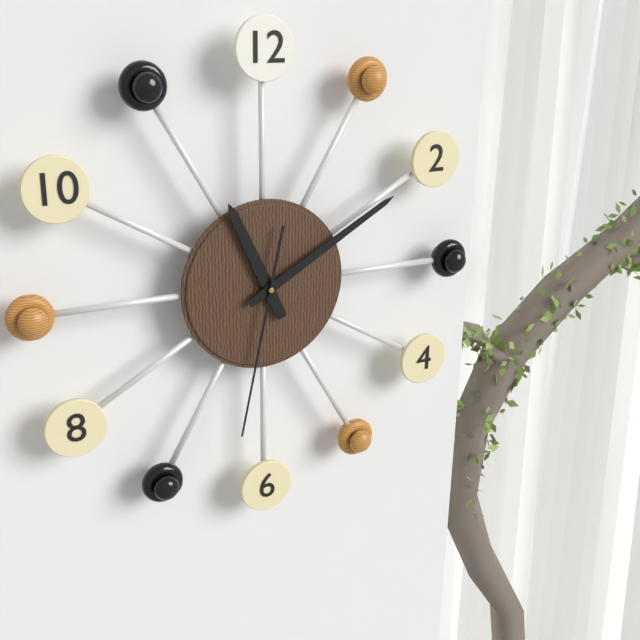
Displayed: 11 h 10 min 32 s
